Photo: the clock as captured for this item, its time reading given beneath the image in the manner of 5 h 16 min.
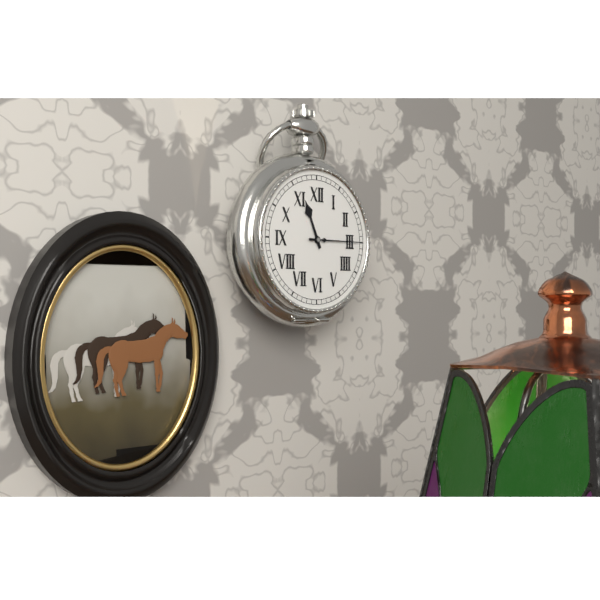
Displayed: 11 h 15 min
